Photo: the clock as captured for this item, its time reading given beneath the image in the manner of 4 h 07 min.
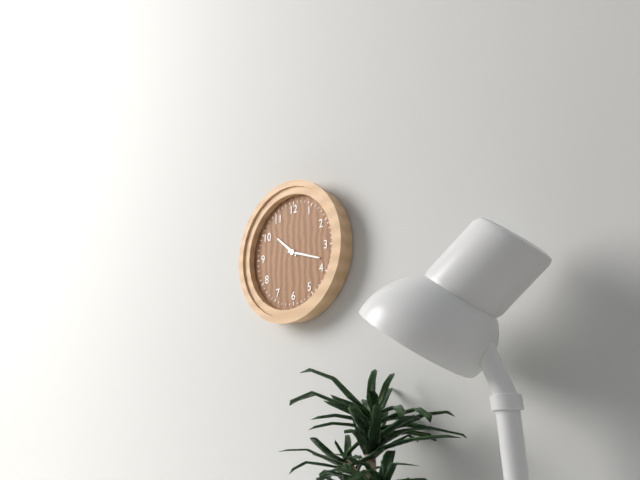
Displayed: 10 h 18 min
